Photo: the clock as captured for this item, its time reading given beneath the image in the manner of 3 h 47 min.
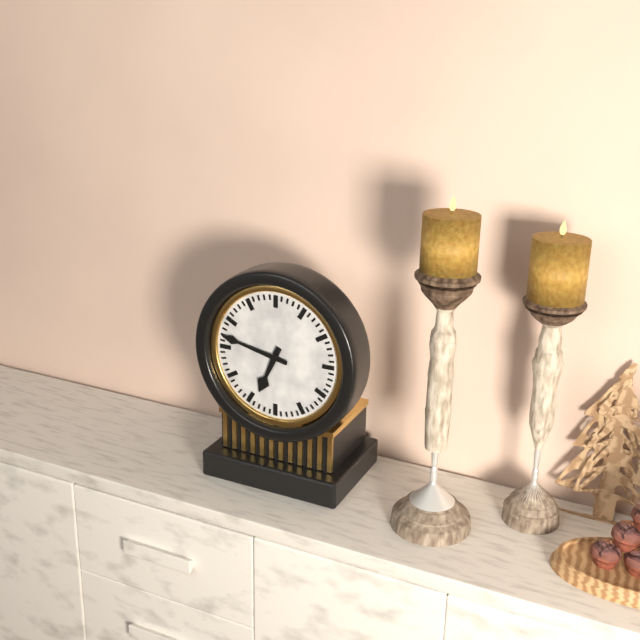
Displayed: 6 h 47 min
